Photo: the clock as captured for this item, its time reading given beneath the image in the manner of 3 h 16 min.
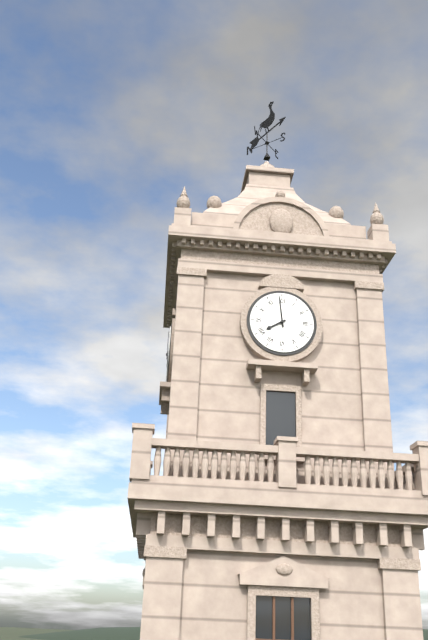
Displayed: 7 h 59 min
